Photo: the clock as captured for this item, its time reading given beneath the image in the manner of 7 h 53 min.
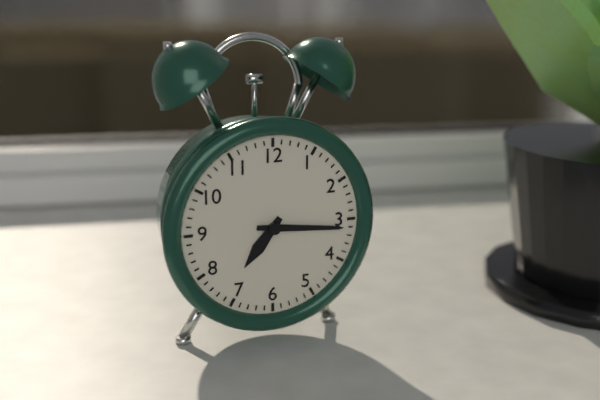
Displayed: 7 h 16 min
